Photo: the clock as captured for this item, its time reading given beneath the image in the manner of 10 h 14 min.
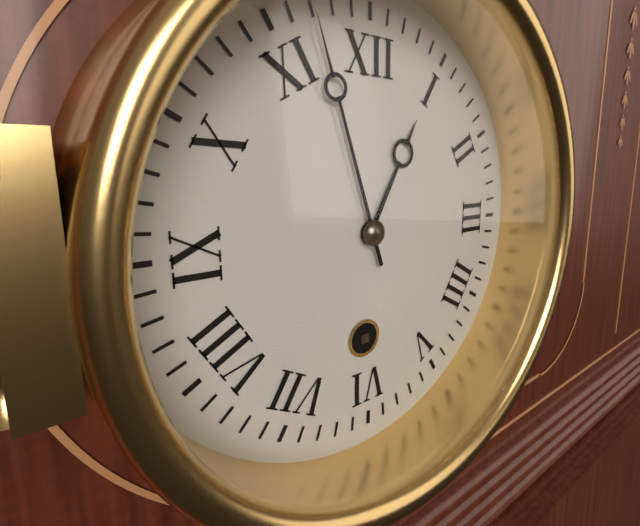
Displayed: 12 h 57 min
